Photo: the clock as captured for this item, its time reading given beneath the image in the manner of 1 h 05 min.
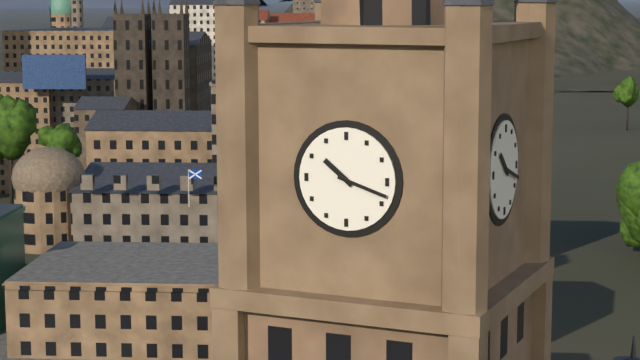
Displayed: 10 h 18 min
